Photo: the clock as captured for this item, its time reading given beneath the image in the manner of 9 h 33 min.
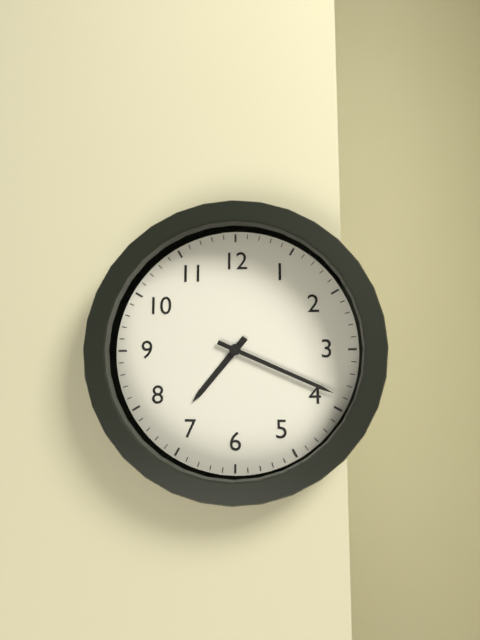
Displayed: 7 h 19 min
